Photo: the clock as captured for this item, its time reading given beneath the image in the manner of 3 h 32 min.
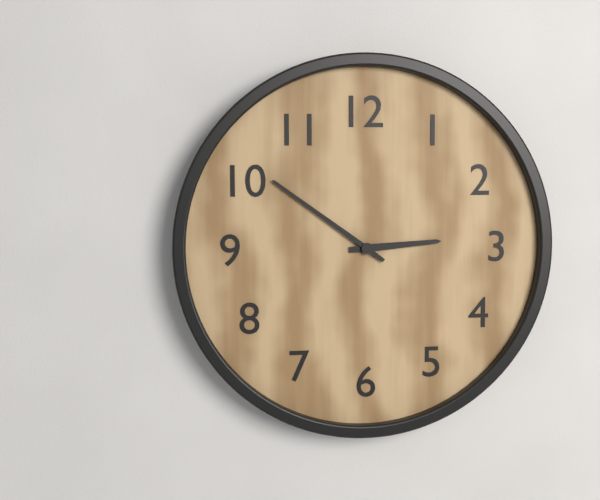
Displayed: 2 h 51 min
